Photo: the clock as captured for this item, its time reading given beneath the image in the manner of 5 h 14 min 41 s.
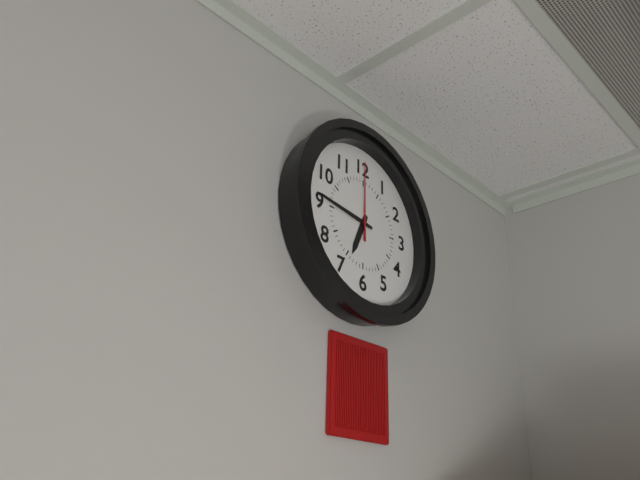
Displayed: 6 h 46 min 00 s
